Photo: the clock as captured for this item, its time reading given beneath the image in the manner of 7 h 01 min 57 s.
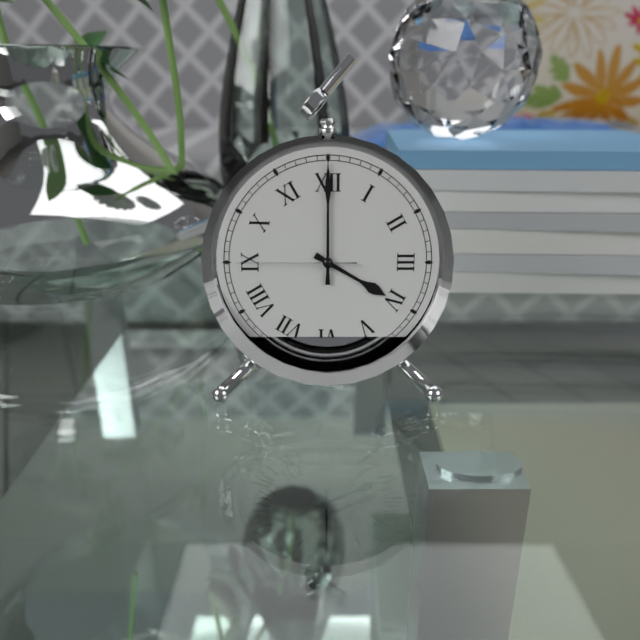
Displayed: 4 h 00 min 45 s
